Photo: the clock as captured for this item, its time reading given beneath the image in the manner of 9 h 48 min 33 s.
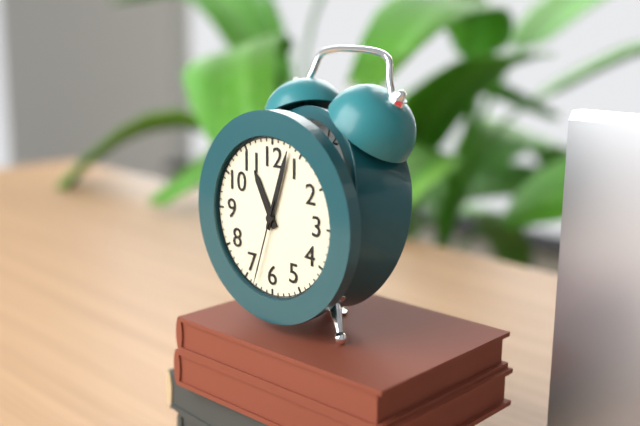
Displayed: 11 h 03 min 33 s
